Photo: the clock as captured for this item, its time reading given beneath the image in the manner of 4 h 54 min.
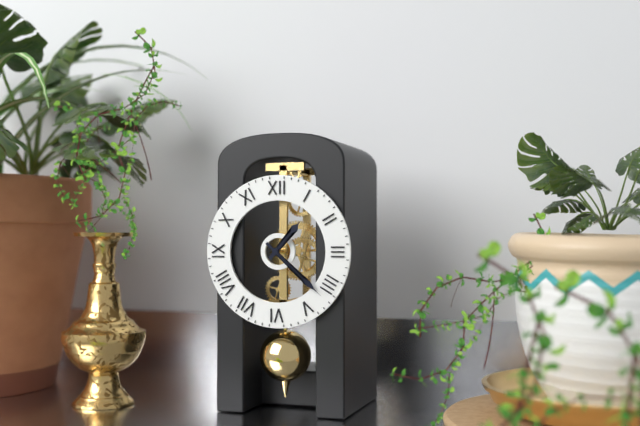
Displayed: 1 h 22 min
